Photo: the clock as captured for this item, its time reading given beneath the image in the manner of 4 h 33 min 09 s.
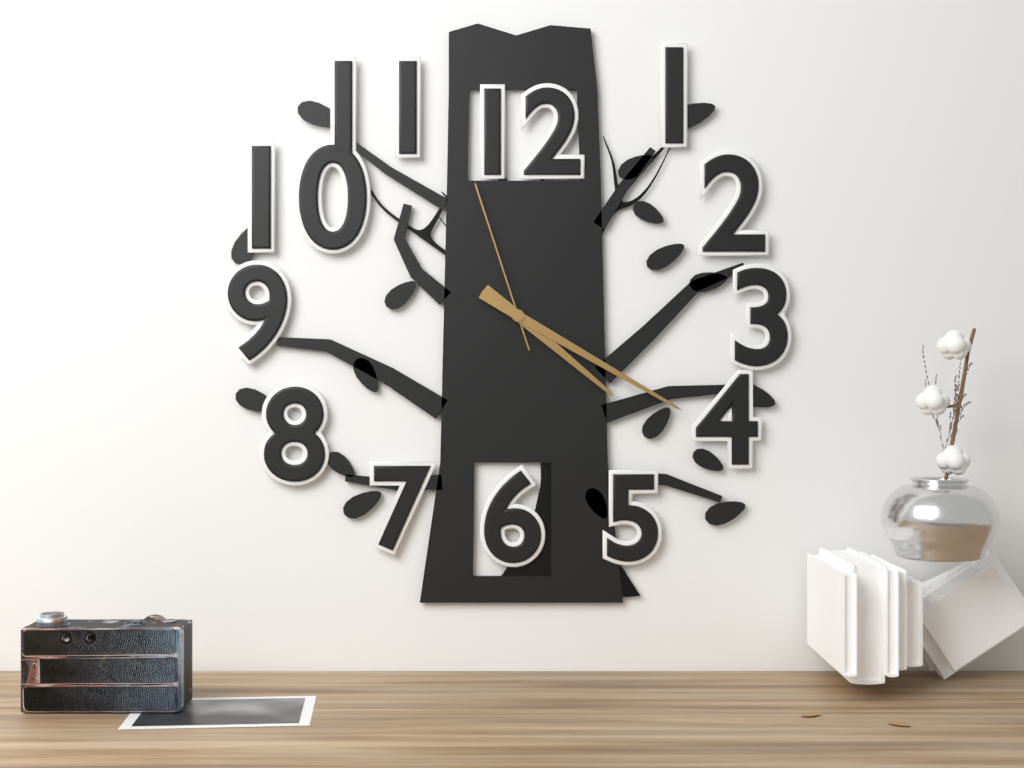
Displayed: 4 h 20 min 57 s
